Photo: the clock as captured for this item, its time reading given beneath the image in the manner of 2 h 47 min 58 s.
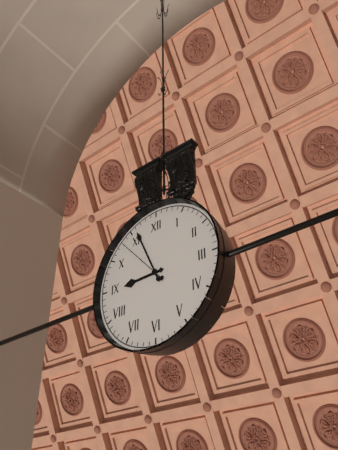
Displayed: 8 h 56 min 53 s
